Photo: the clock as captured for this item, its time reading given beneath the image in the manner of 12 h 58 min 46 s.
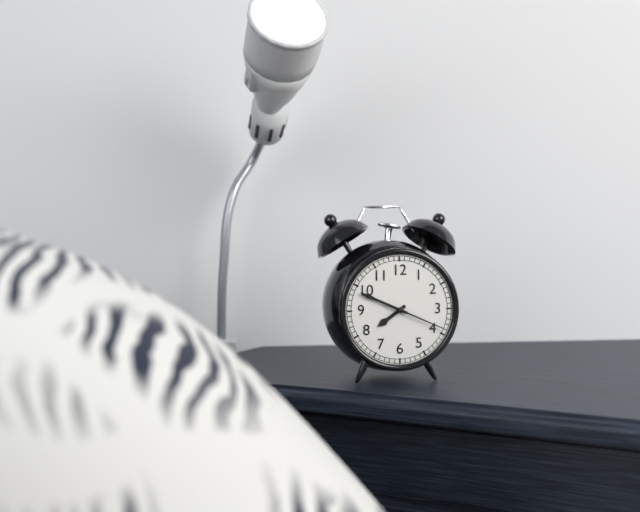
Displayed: 7 h 49 min 19 s
